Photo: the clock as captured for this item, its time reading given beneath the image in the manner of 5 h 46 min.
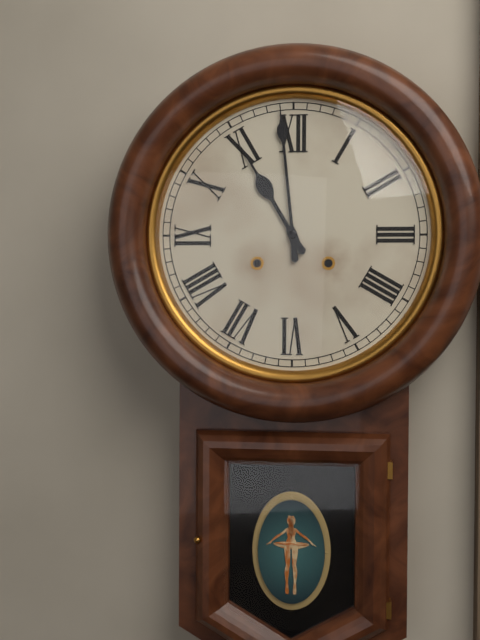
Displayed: 10 h 59 min
